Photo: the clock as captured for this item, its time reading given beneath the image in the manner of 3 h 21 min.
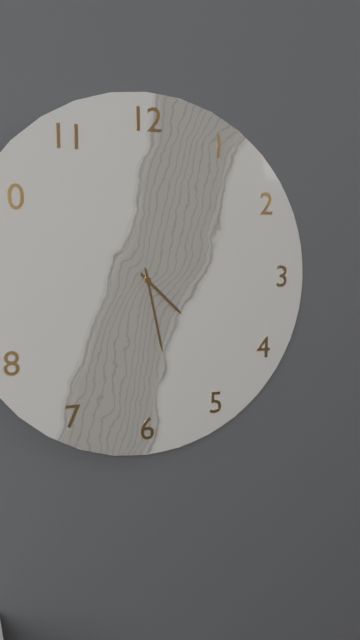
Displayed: 4 h 28 min
